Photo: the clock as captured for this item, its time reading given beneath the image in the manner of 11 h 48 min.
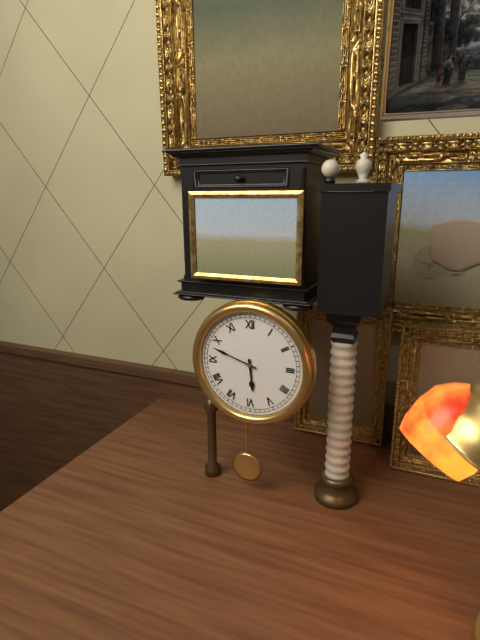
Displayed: 5 h 48 min
